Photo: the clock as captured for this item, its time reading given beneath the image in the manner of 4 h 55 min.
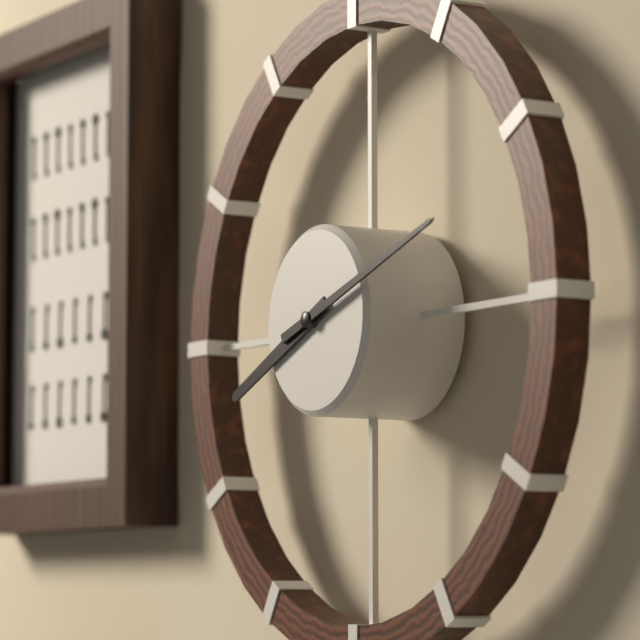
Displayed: 8 h 12 min
